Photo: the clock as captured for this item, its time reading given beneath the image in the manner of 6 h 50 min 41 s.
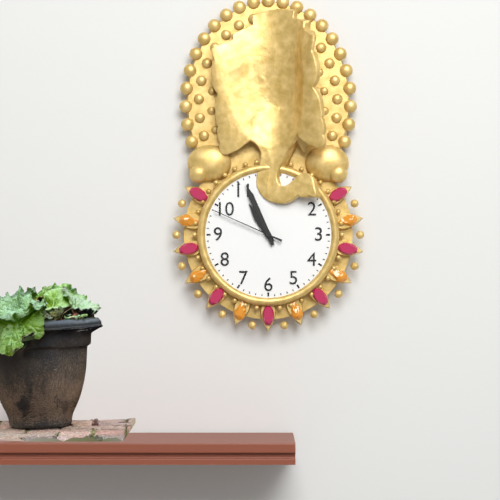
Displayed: 10 h 56 min 49 s
